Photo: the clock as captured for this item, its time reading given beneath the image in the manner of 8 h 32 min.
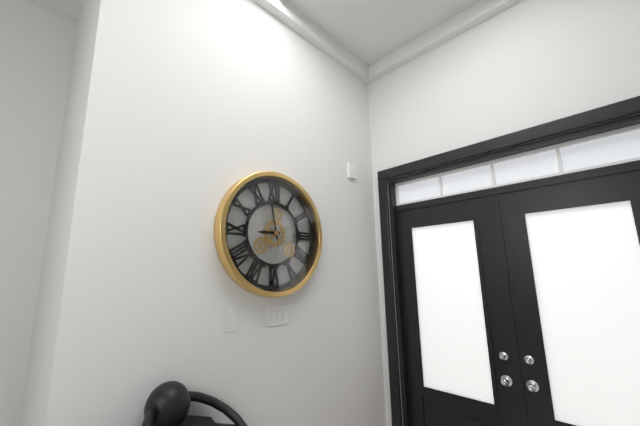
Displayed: 8 h 58 min
